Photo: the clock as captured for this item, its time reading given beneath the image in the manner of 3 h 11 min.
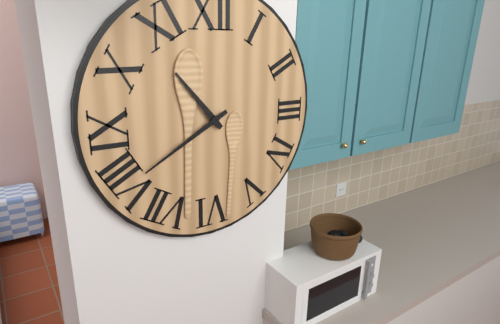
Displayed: 10 h 40 min
